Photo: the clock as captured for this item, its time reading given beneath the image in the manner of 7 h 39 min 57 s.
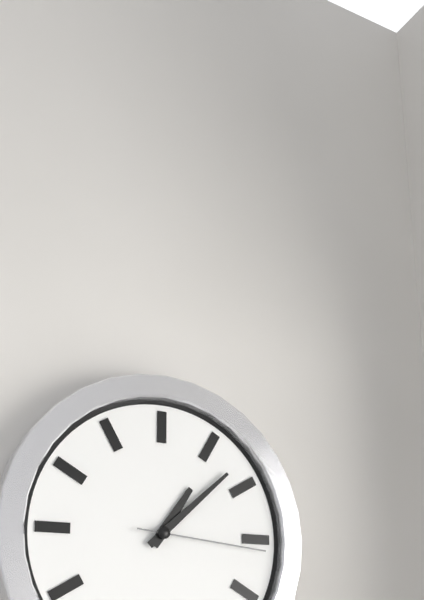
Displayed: 1 h 08 min 16 s
